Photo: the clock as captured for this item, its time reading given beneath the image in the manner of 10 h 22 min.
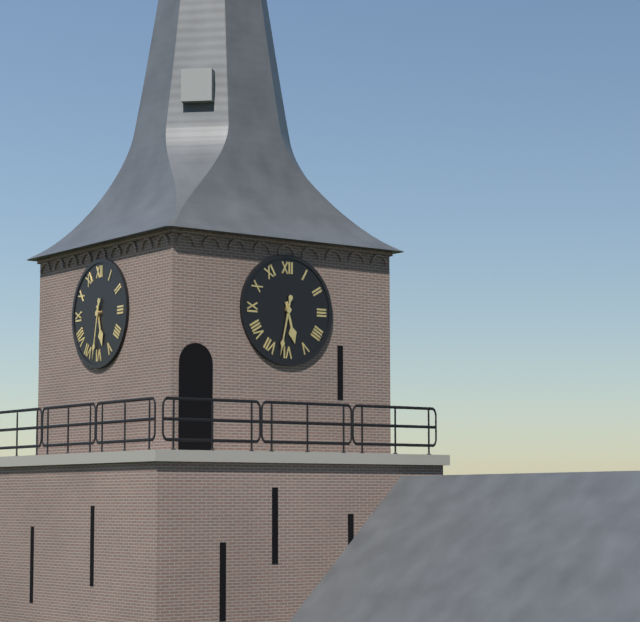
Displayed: 5 h 32 min
